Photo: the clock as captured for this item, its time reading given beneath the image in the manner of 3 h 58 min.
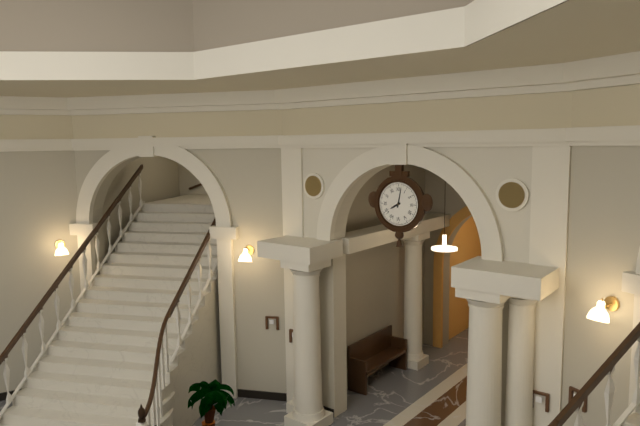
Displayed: 8 h 02 min
